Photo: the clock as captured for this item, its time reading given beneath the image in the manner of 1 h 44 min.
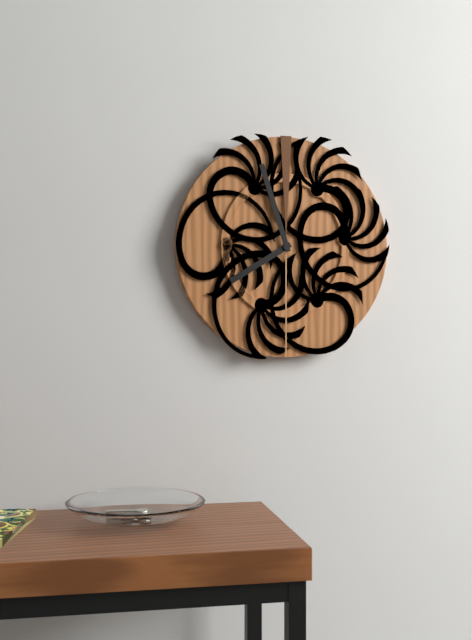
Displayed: 7 h 57 min
